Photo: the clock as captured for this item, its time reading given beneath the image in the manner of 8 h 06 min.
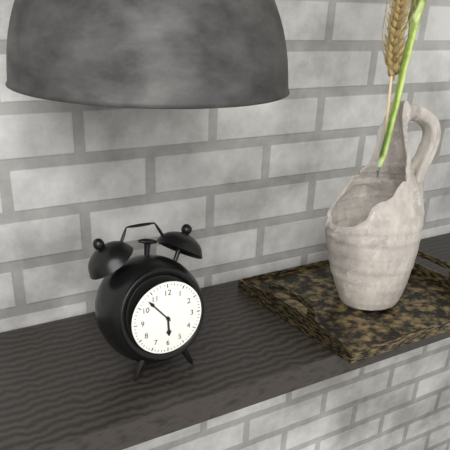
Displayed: 5 h 53 min
